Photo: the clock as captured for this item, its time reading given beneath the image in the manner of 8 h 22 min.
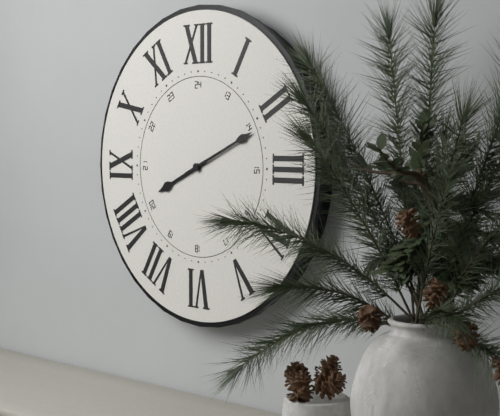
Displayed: 8 h 11 min
